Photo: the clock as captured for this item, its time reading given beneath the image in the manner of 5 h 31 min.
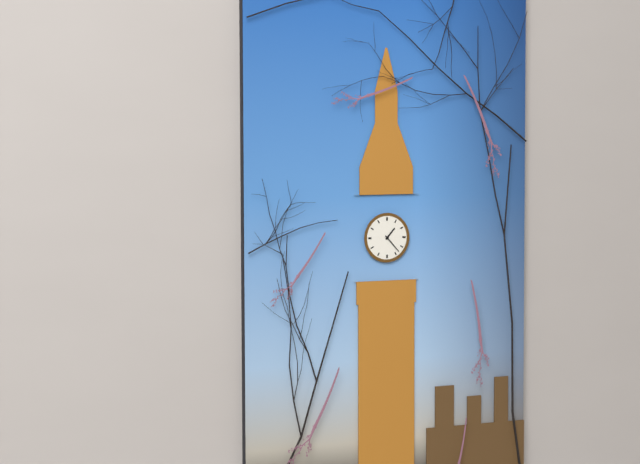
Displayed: 1 h 23 min
